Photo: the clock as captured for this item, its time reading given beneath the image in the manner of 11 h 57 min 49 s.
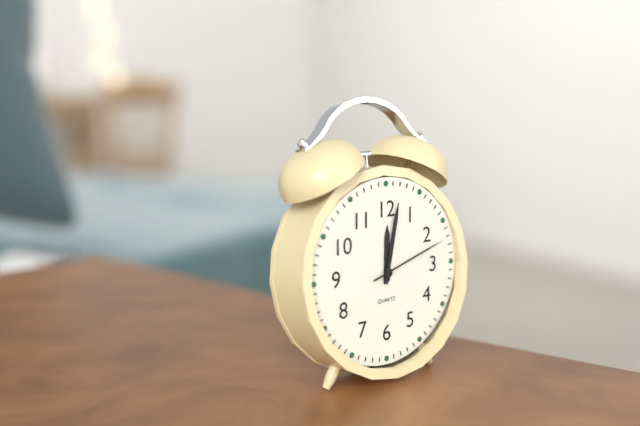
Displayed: 12 h 02 min 12 s
